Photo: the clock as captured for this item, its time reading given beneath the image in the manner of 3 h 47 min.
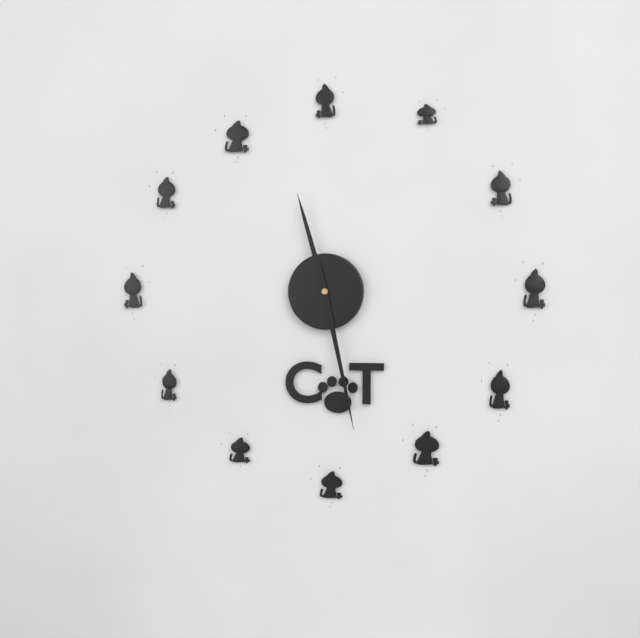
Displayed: 11 h 28 min
